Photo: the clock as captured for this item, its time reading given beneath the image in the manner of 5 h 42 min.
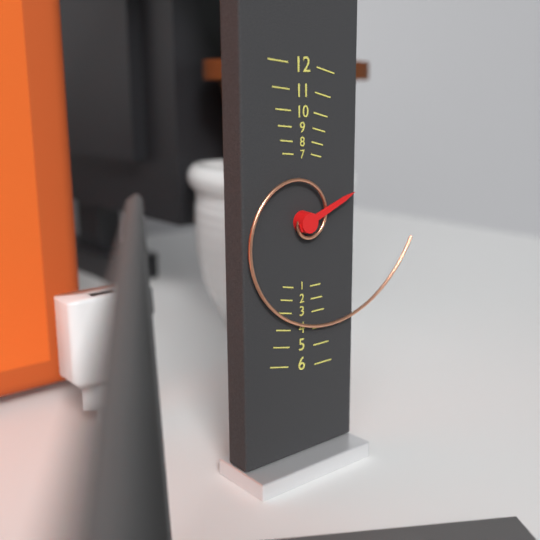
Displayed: 2 h 17 min
